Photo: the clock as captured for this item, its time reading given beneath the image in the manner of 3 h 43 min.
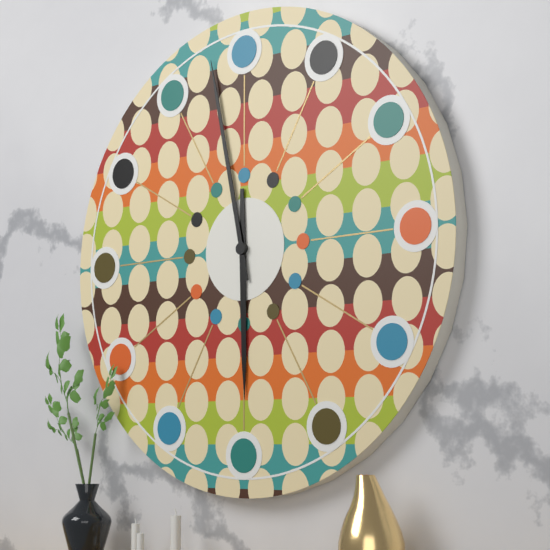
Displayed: 5 h 58 min
